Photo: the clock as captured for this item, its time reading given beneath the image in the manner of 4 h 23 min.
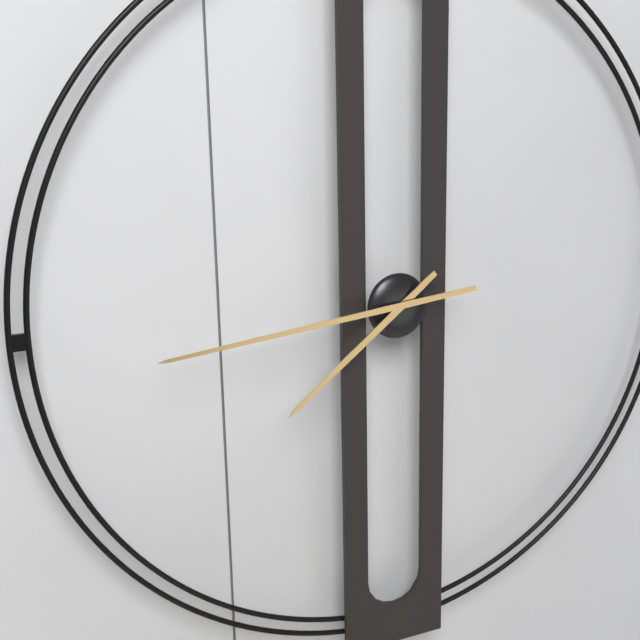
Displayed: 7 h 44 min
